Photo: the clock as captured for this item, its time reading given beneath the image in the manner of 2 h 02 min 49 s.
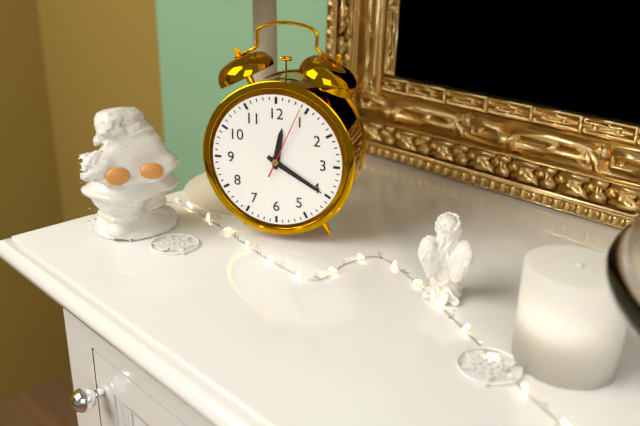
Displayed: 12 h 20 min 04 s
